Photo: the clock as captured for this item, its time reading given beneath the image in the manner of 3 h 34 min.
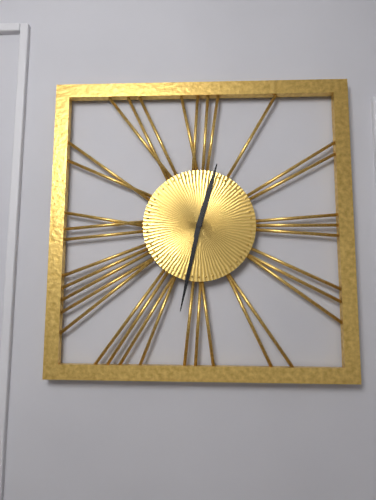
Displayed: 12 h 32 min
